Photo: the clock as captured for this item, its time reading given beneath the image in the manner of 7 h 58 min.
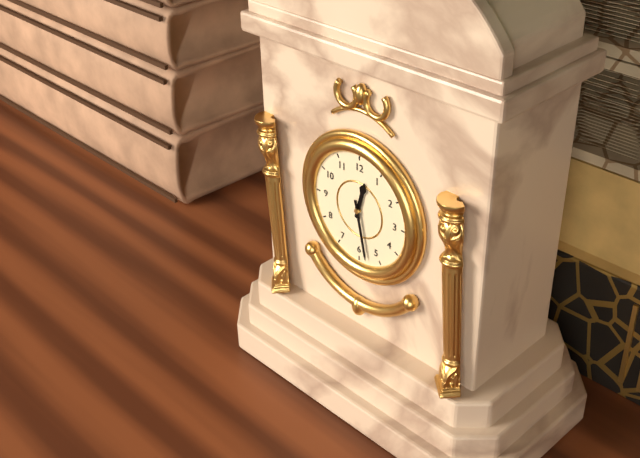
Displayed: 12 h 28 min
